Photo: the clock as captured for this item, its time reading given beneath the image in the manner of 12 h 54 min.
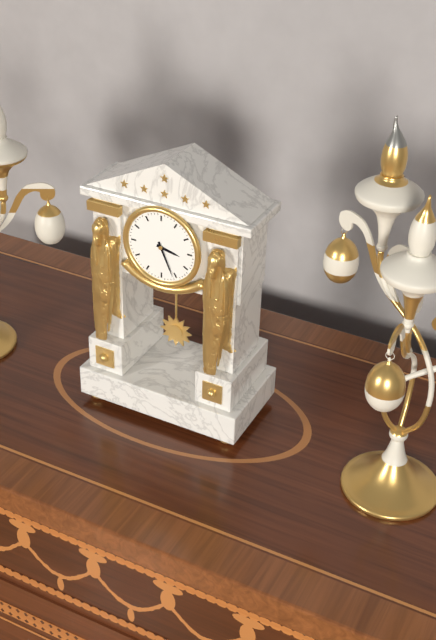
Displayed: 3 h 26 min
